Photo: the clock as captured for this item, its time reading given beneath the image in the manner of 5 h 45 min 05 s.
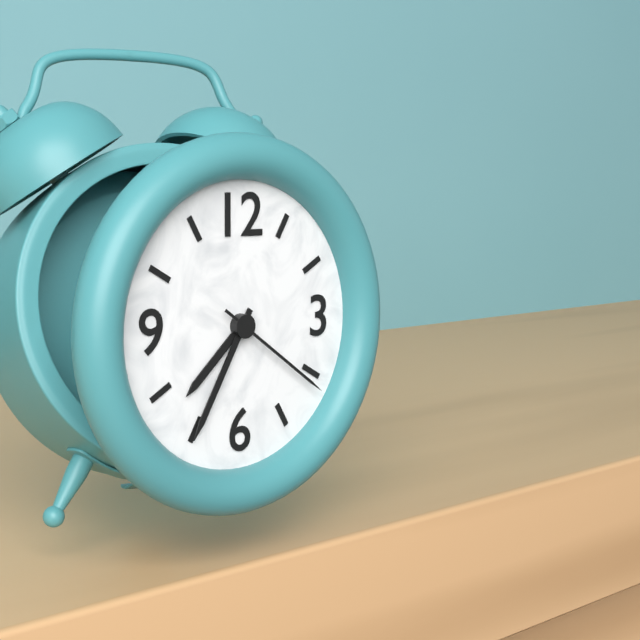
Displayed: 7 h 35 min 21 s
